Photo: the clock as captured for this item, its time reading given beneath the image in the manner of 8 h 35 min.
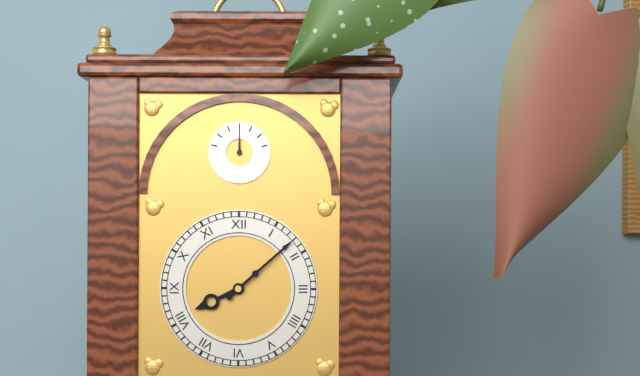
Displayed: 8 h 08 min
